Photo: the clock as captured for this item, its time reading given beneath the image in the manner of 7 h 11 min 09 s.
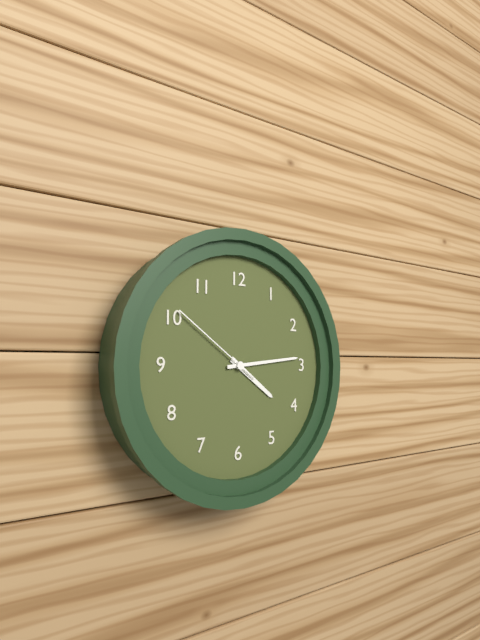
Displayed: 4 h 14 min 51 s
